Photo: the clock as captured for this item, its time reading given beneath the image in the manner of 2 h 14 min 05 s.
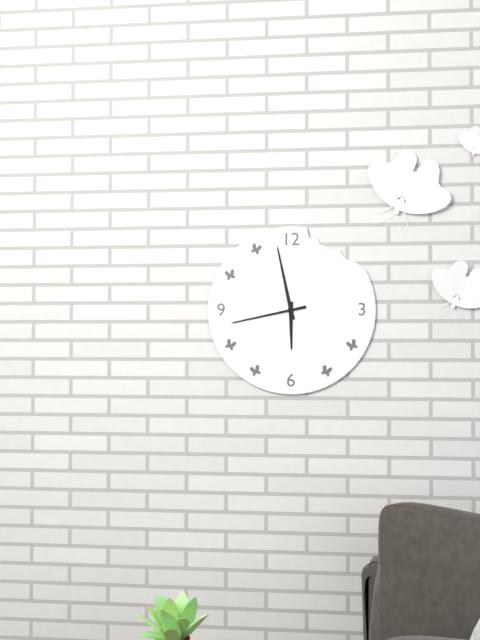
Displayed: 5 h 58 min 43 s
